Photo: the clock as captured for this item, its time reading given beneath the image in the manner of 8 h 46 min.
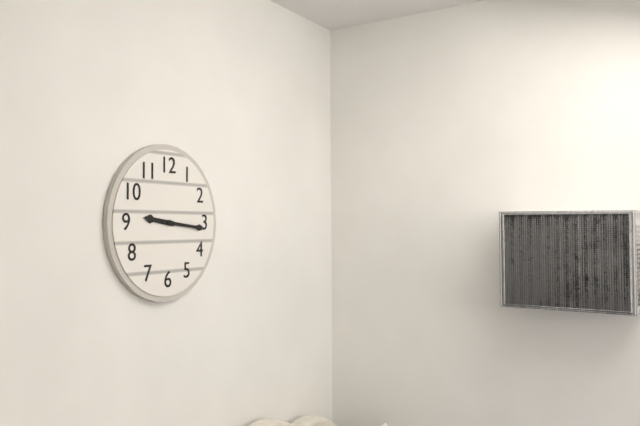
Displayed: 9 h 16 min
